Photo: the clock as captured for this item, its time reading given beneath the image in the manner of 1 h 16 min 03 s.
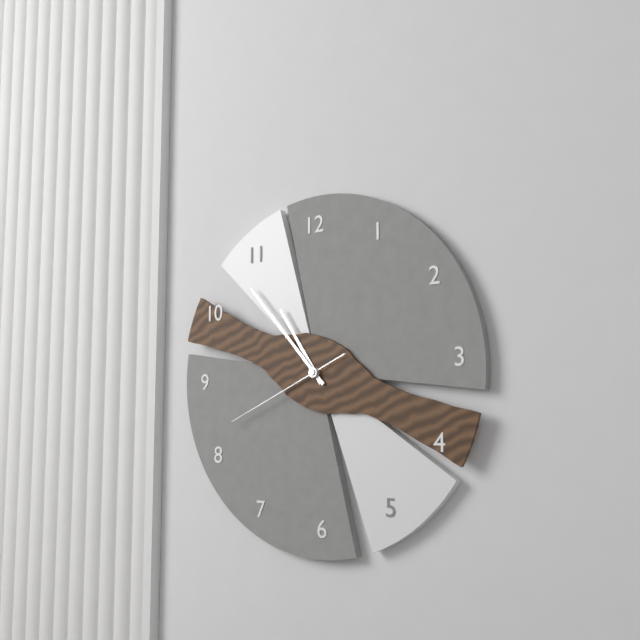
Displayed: 10 h 53 min 41 s
